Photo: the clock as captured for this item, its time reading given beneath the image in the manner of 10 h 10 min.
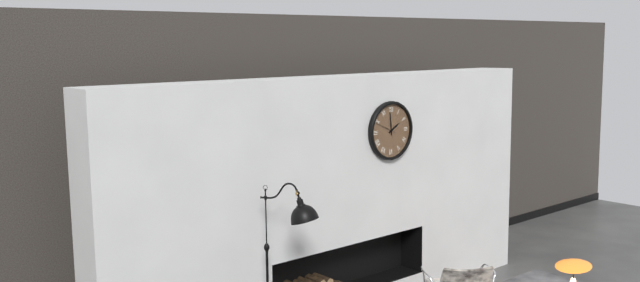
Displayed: 1 h 59 min
